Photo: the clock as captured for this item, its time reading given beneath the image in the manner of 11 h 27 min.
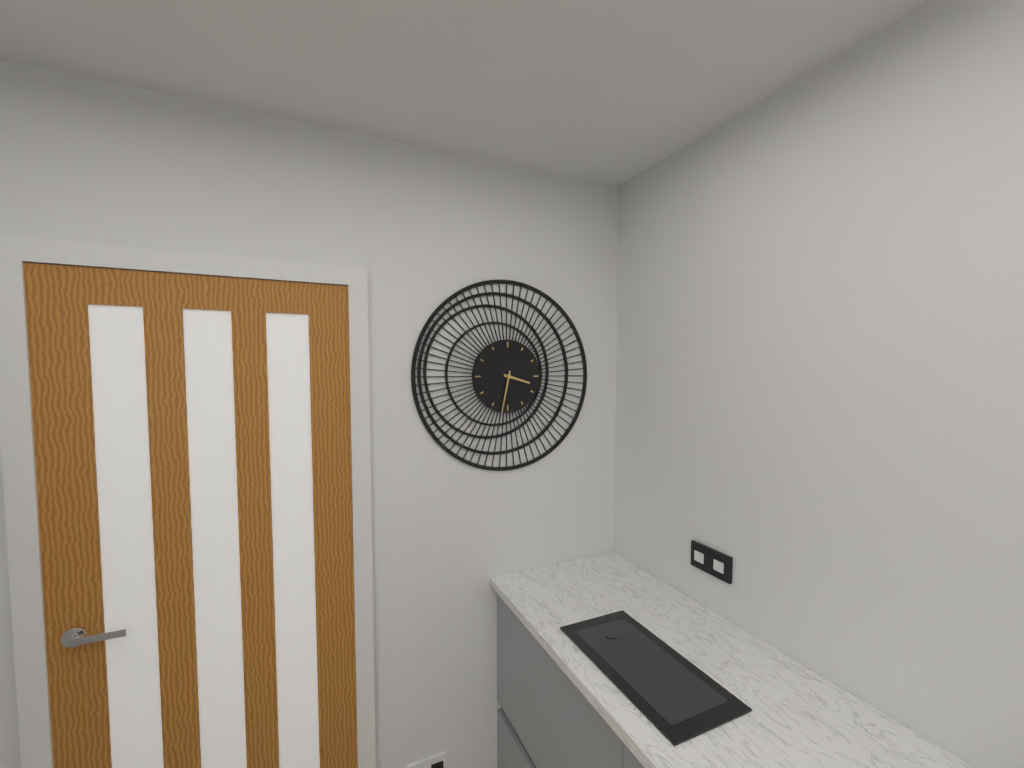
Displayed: 3 h 32 min
